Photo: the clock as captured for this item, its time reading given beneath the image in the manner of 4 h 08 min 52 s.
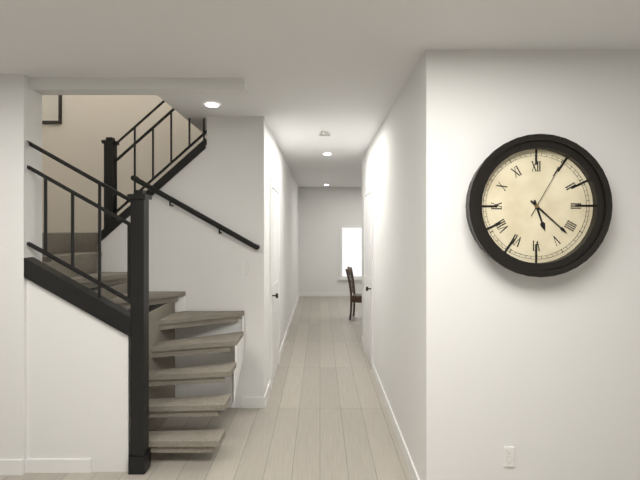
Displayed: 5 h 22 min 05 s
